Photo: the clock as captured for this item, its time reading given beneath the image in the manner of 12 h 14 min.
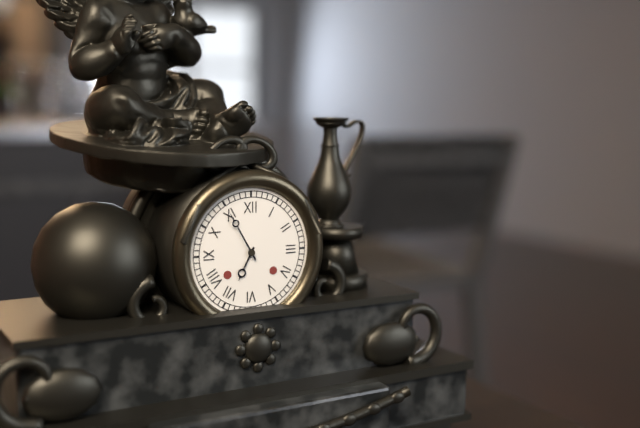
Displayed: 6 h 55 min
